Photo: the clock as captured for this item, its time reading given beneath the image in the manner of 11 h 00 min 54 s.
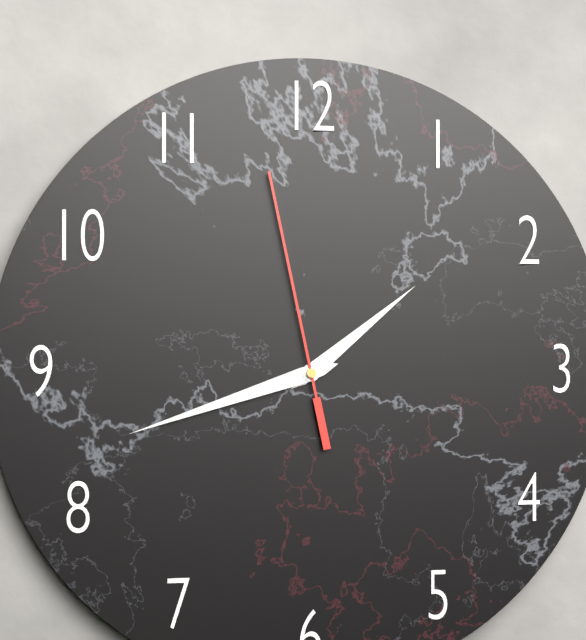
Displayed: 1 h 42 min 58 s
